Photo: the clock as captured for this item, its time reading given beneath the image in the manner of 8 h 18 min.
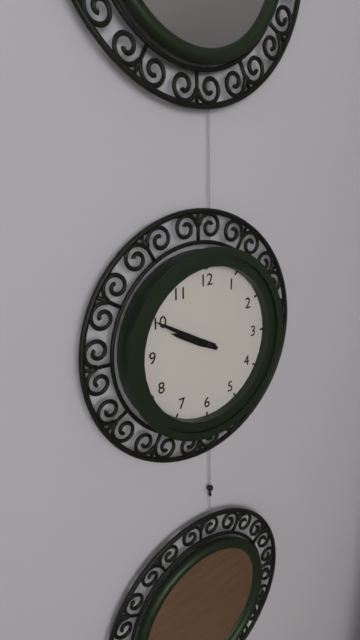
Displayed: 9 h 50 min
